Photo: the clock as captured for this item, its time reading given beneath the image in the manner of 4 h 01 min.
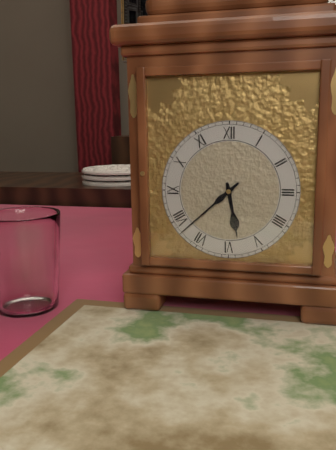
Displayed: 5 h 38 min
